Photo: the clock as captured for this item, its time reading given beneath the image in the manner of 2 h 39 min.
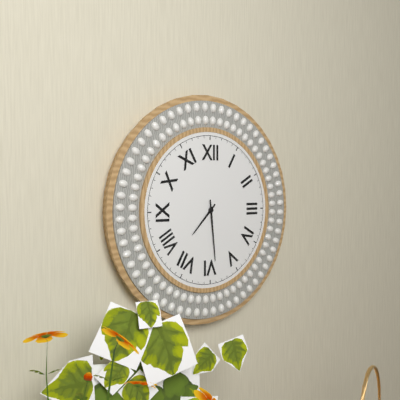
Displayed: 7 h 29 min
